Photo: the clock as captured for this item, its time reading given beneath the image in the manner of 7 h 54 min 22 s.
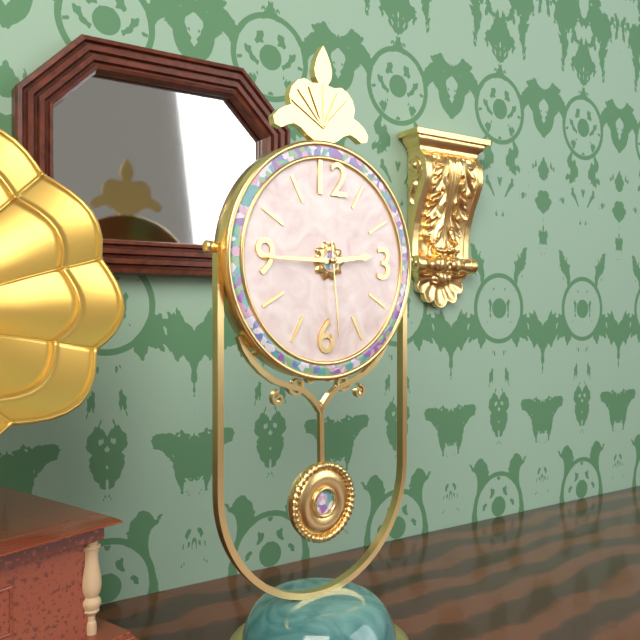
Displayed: 2 h 45 min 29 s
